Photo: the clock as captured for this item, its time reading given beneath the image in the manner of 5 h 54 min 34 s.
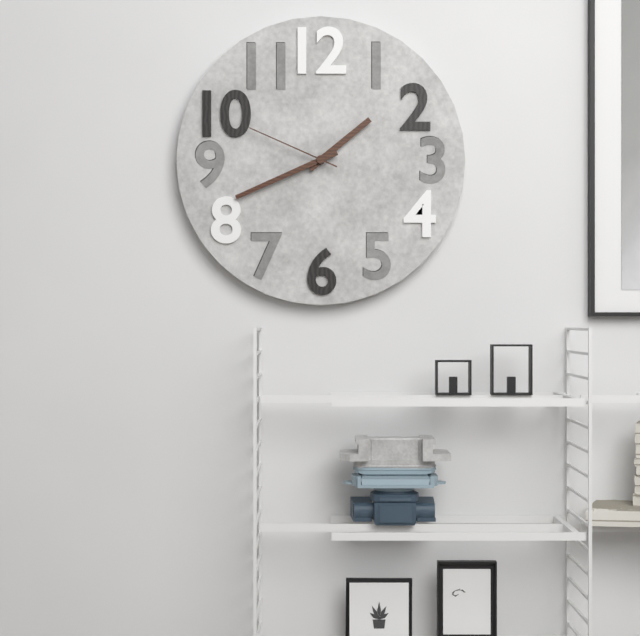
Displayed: 1 h 41 min 49 s
